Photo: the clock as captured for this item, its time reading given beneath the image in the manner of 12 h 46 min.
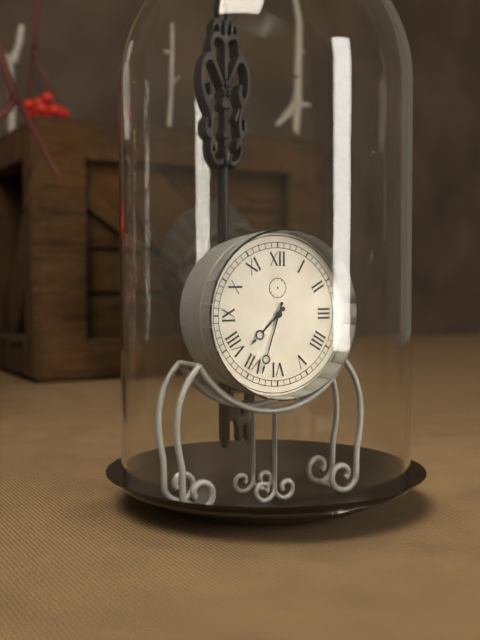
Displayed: 7 h 33 min
